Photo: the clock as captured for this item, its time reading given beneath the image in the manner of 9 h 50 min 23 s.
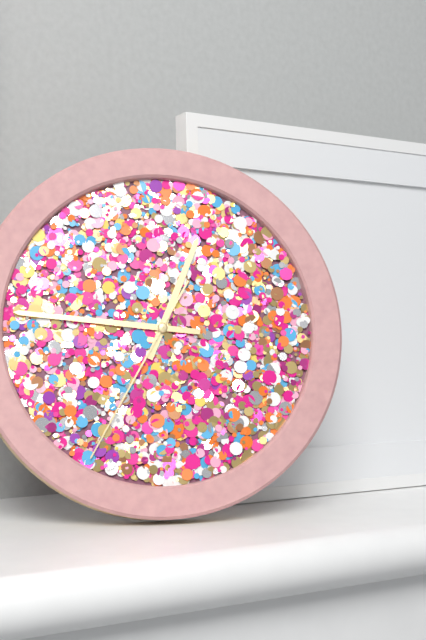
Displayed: 12 h 46 min 35 s
